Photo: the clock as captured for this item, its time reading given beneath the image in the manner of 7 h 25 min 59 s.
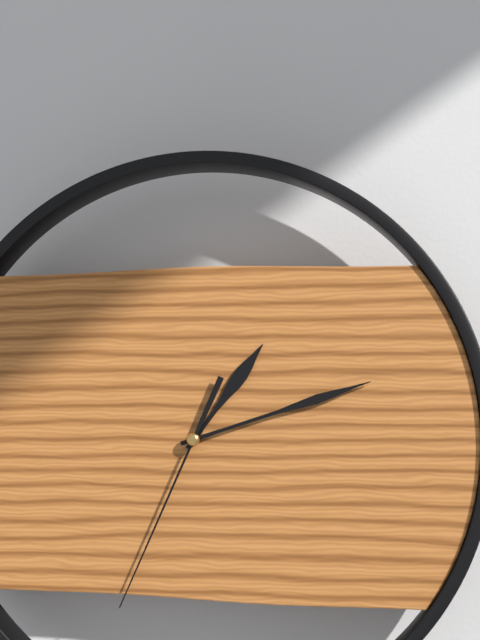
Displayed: 1 h 12 min 34 s
